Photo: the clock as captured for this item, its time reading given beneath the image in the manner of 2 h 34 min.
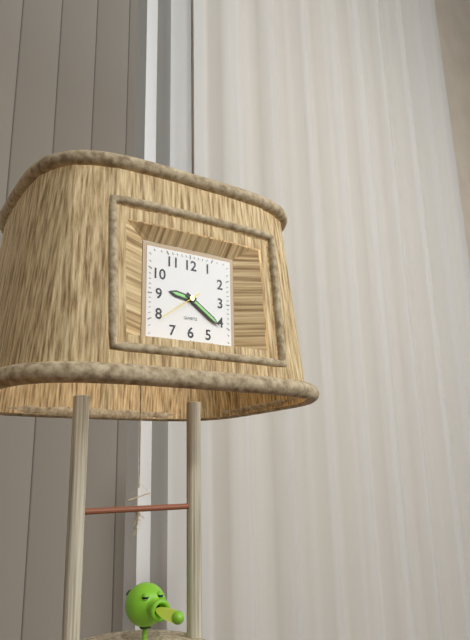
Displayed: 9 h 21 min
